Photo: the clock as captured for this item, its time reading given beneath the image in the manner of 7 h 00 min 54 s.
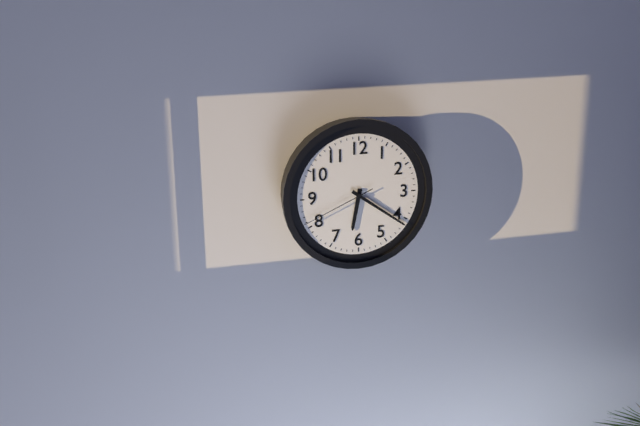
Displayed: 6 h 21 min 41 s
